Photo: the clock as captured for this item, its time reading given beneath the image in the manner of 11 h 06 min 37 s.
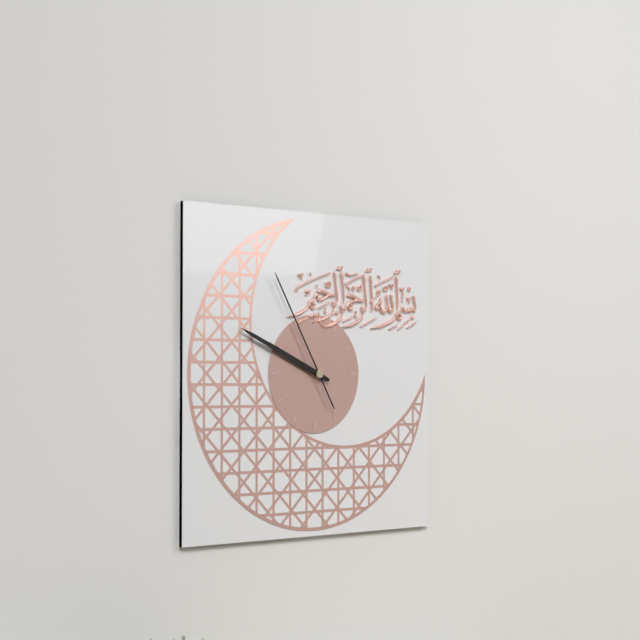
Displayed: 9 h 49 min 55 s
